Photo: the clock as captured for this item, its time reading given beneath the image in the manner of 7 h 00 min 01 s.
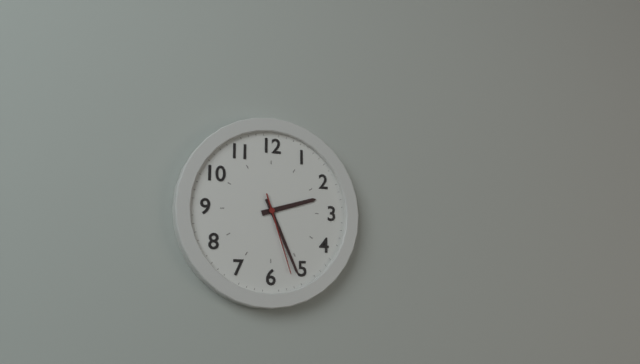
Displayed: 2 h 26 min 27 s
